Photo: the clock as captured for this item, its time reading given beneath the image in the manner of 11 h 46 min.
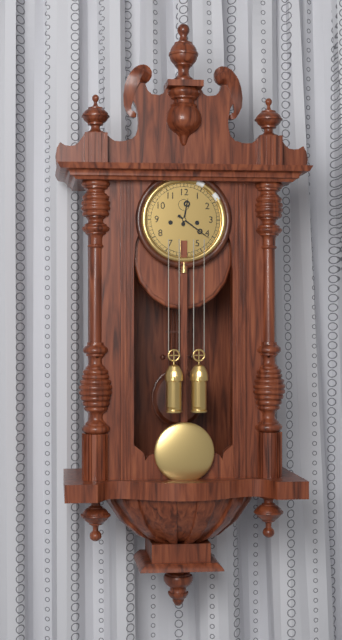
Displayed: 12 h 21 min
